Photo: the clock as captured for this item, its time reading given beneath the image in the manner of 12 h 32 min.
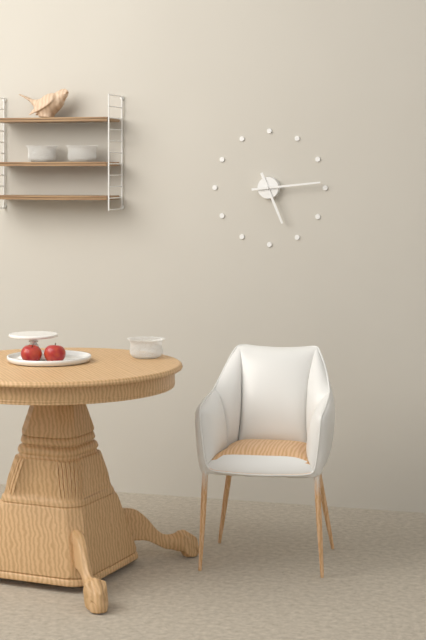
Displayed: 5 h 14 min
